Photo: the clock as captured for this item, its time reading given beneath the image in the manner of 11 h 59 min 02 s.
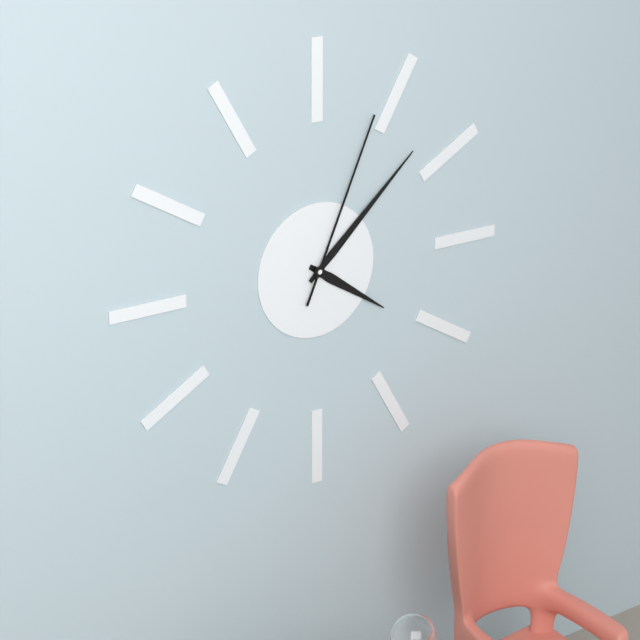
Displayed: 4 h 08 min 04 s
